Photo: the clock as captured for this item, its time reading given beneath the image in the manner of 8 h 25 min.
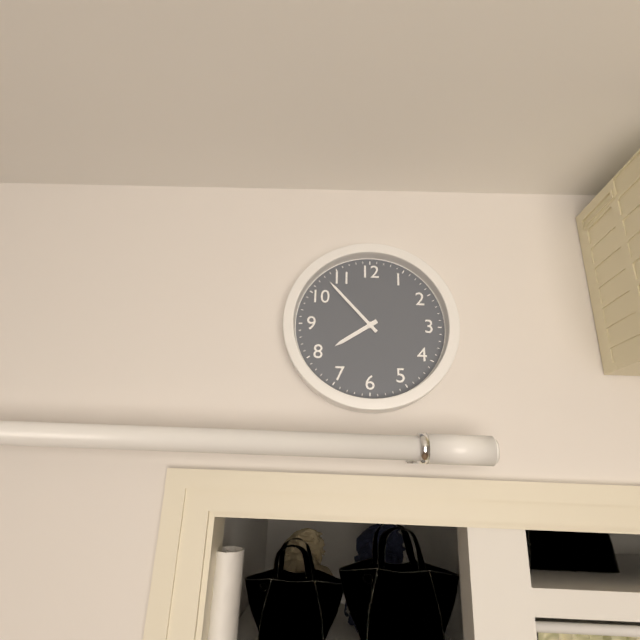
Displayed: 7 h 53 min
